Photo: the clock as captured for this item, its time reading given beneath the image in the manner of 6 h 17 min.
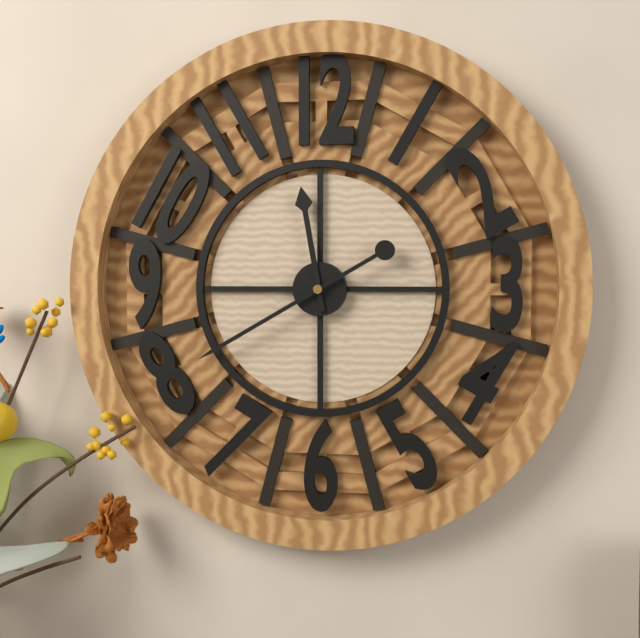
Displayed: 11 h 40 min
